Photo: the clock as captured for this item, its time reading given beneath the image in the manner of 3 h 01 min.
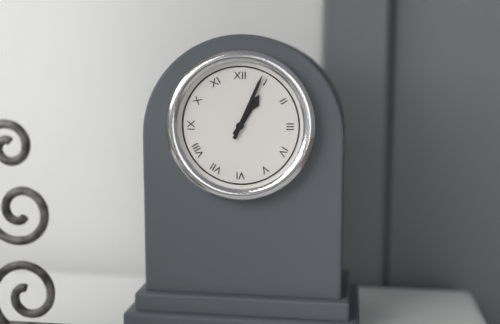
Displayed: 1 h 04 min
